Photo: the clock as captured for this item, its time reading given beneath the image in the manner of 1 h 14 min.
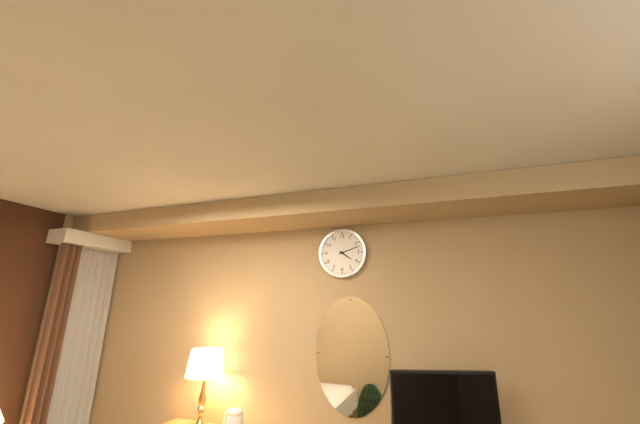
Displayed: 4 h 12 min
